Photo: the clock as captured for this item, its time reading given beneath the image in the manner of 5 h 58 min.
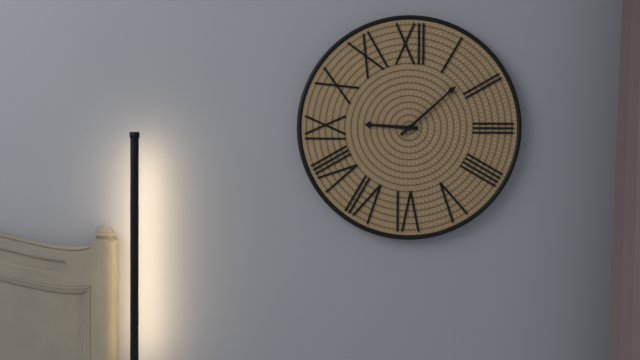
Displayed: 9 h 08 min
